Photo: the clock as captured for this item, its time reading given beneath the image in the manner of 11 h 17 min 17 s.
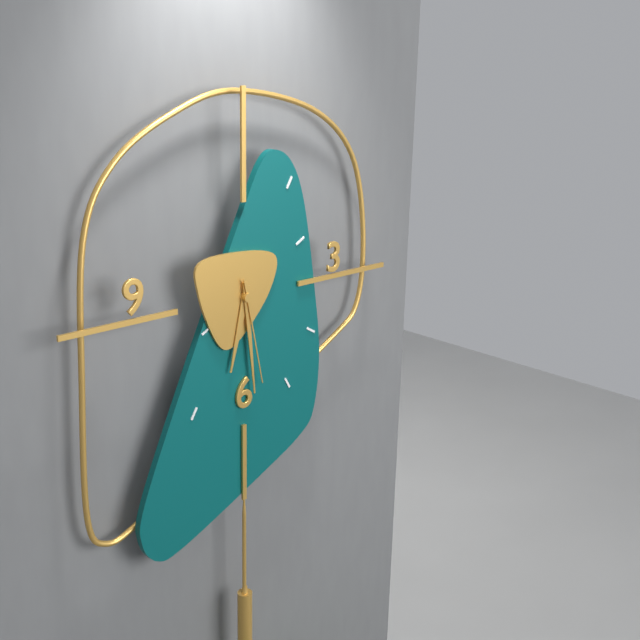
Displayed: 6 h 29 min 28 s
